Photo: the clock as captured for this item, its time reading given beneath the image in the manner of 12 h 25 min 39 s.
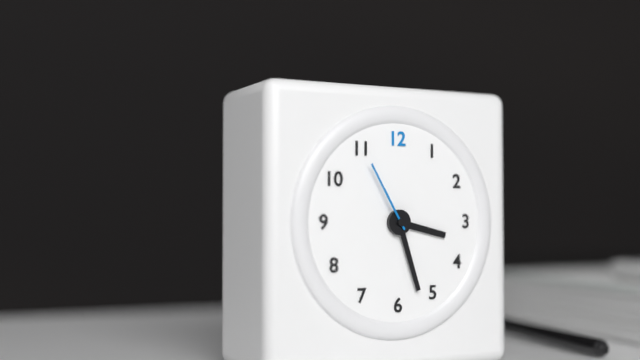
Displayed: 3 h 27 min 55 s
